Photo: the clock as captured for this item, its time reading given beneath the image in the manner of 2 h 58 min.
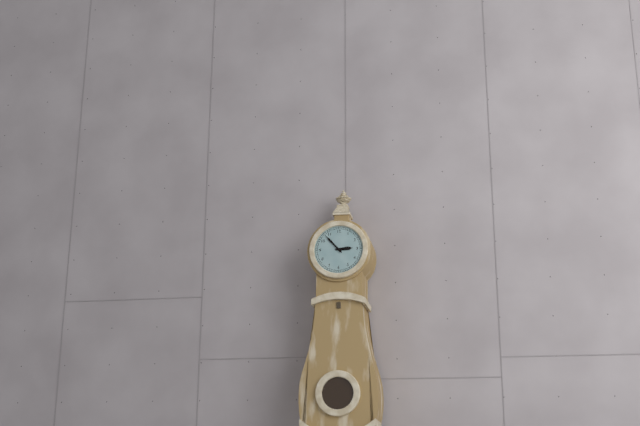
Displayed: 2 h 53 min
